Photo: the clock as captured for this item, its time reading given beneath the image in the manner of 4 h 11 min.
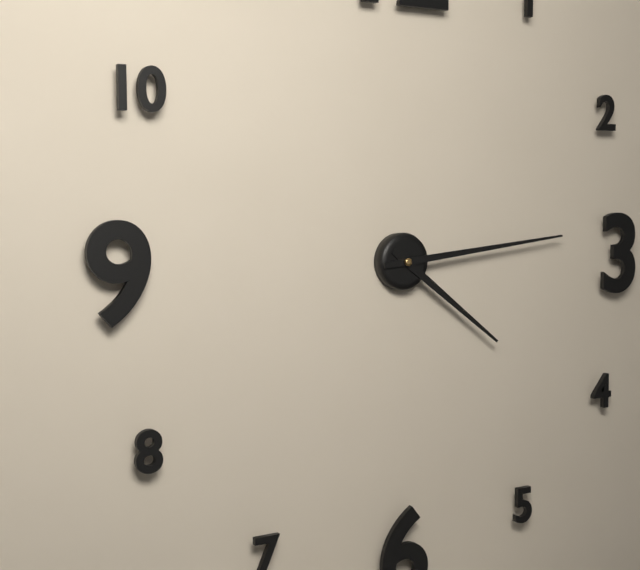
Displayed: 4 h 14 min
